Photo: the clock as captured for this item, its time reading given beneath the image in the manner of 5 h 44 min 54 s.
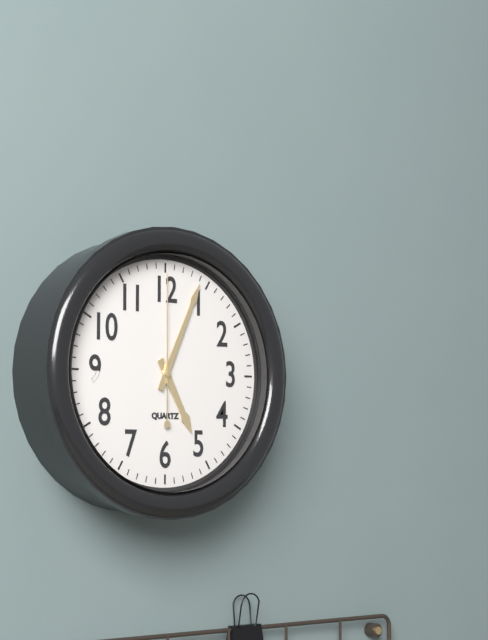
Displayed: 5 h 04 min 00 s
